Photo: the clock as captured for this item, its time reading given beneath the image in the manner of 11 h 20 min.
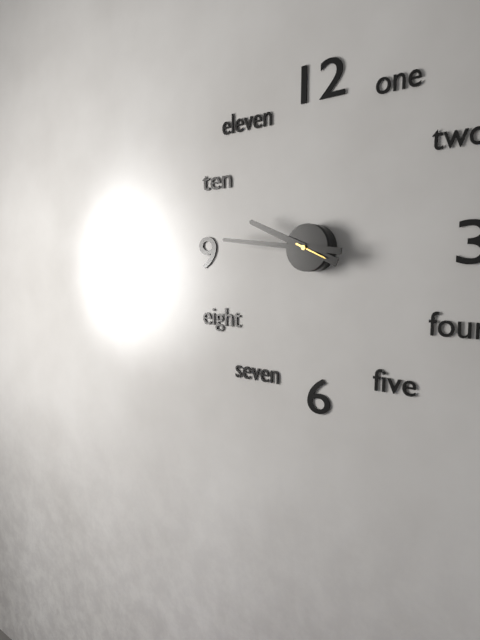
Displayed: 9 h 46 min
